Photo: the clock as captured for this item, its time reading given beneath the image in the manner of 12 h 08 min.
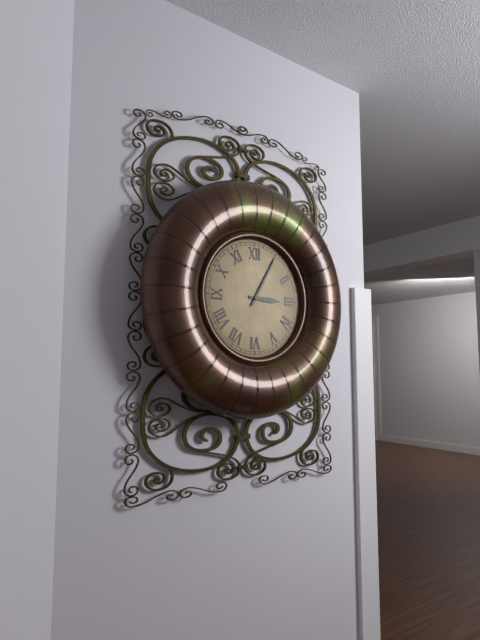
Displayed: 3 h 05 min
